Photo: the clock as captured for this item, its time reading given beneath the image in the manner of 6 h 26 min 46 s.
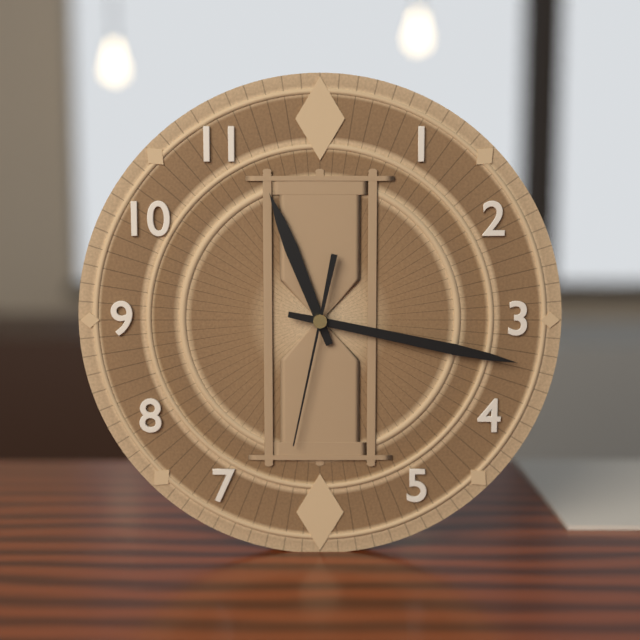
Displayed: 11 h 17 min 32 s
